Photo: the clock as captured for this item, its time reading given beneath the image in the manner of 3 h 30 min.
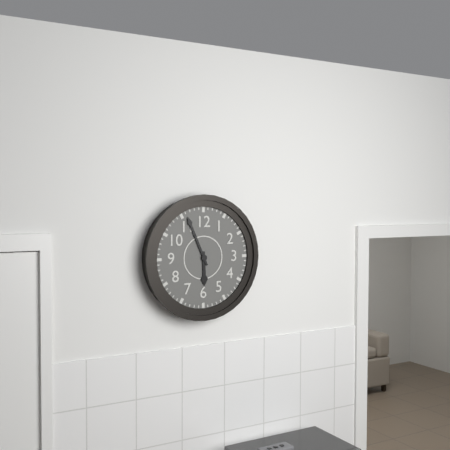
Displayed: 5 h 56 min
